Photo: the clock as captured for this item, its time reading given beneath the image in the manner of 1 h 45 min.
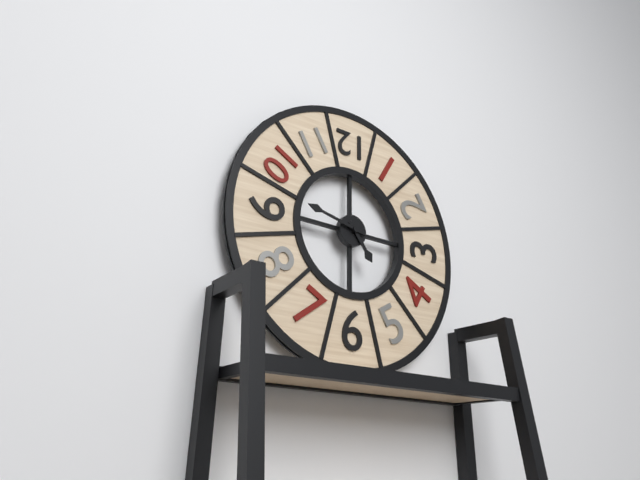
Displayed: 4 h 47 min
